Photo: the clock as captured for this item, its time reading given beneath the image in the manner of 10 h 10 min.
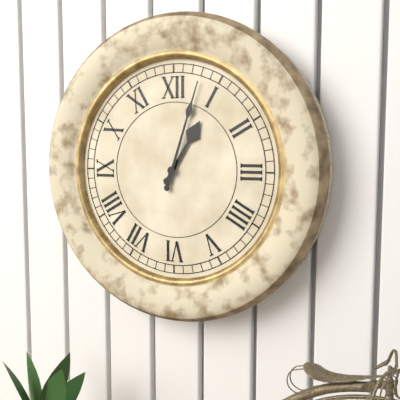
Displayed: 1 h 03 min
